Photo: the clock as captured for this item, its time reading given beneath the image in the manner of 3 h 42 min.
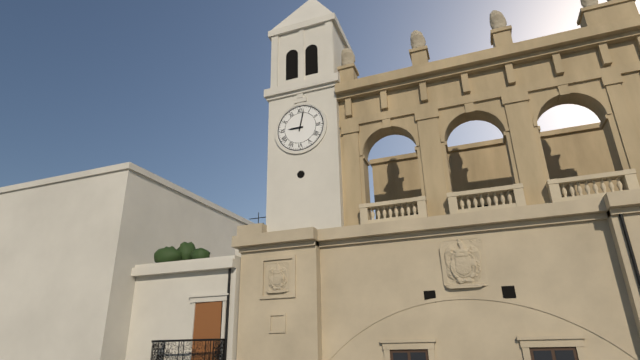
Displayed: 9 h 02 min
